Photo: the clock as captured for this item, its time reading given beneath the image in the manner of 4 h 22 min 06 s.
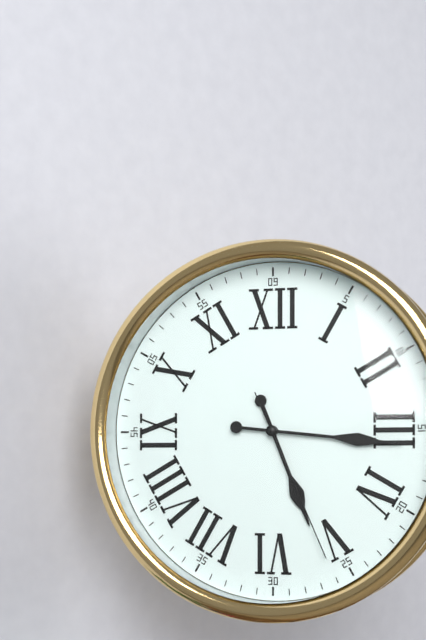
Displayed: 5 h 16 min 26 s
